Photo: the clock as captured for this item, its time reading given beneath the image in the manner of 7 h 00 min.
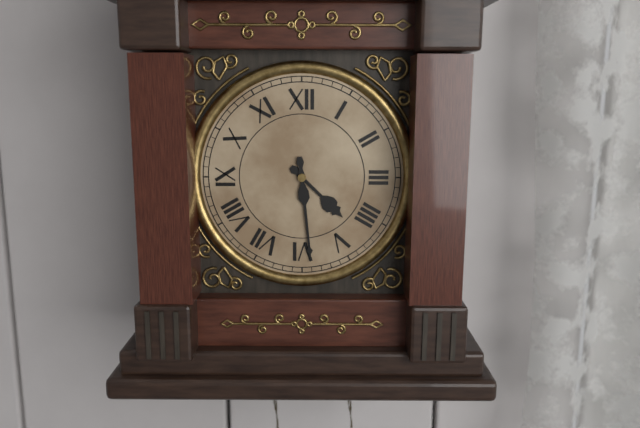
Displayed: 4 h 29 min
